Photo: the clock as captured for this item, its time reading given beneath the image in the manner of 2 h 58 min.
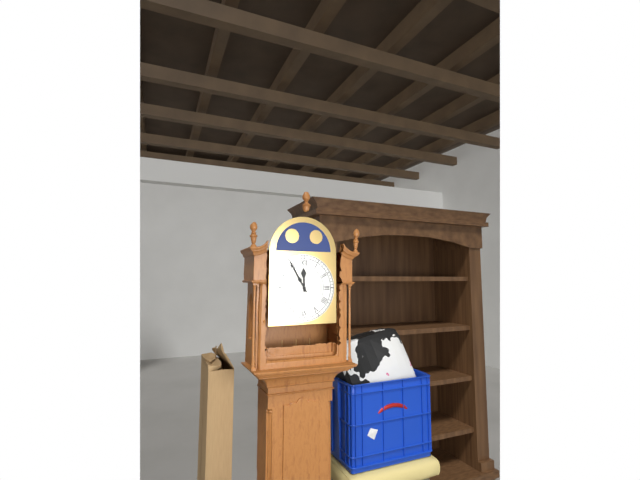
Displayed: 11 h 55 min
